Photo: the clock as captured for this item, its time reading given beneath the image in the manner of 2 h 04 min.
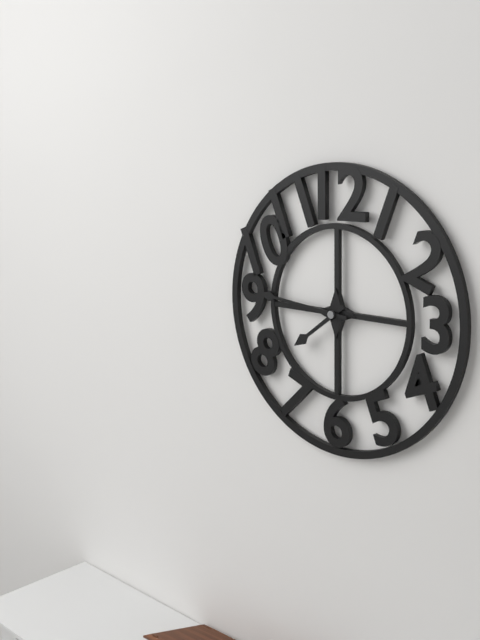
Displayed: 7 h 46 min
